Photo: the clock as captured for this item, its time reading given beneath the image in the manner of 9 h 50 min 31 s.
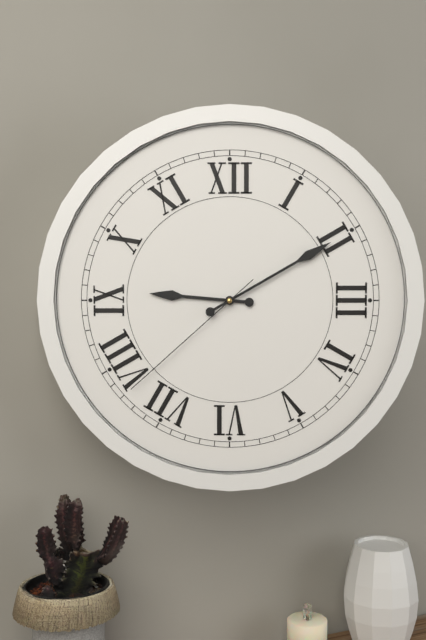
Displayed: 9 h 10 min 38 s
